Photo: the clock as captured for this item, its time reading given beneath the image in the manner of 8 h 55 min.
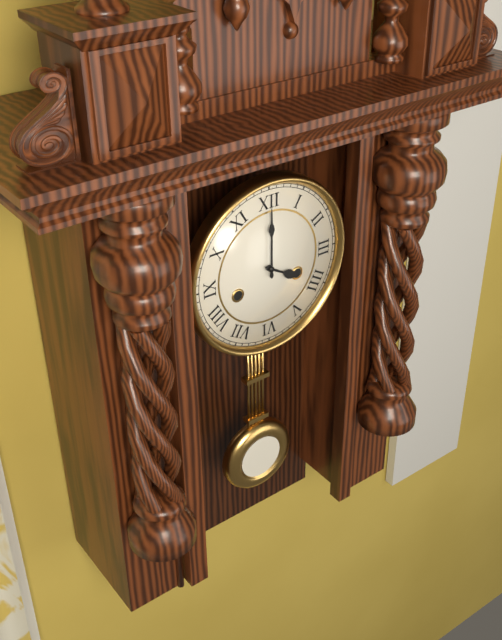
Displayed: 4 h 00 min
